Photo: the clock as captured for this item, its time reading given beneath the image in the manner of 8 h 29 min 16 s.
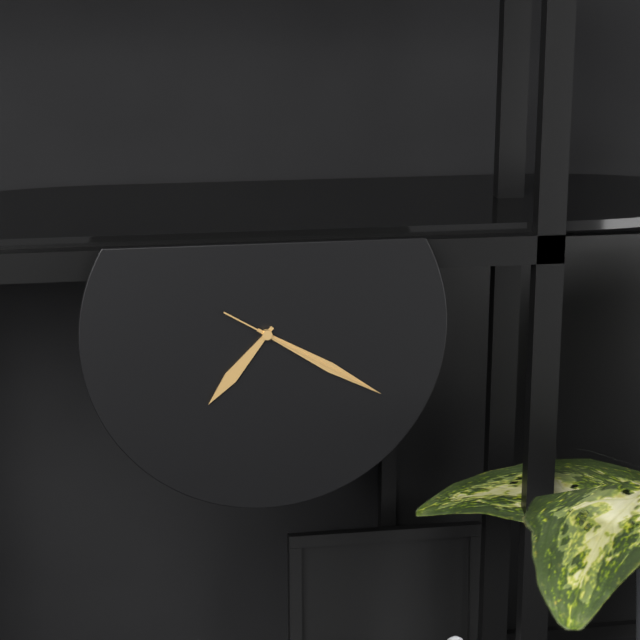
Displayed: 7 h 20 min 20 s
